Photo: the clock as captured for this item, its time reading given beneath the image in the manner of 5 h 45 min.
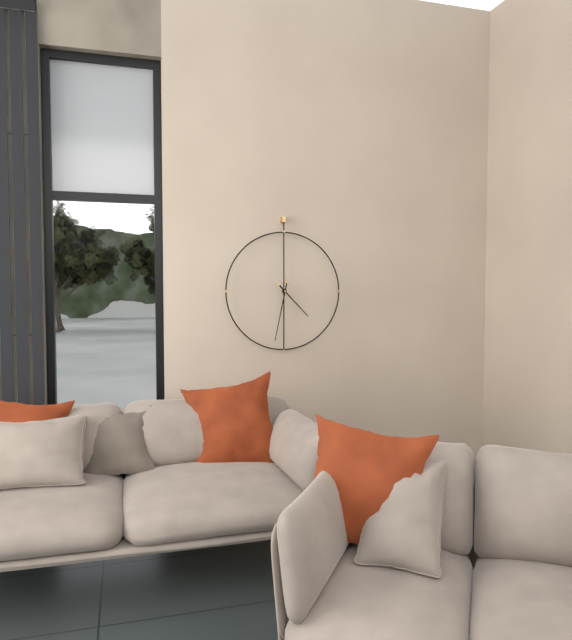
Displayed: 4 h 32 min
